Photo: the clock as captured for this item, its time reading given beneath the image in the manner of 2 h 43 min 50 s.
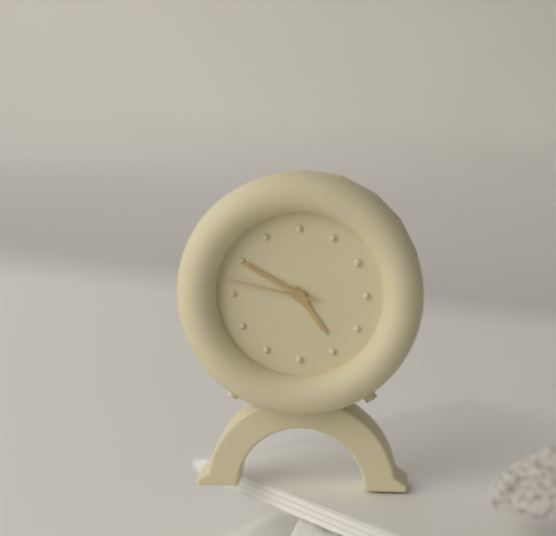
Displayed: 4 h 50 min 47 s
